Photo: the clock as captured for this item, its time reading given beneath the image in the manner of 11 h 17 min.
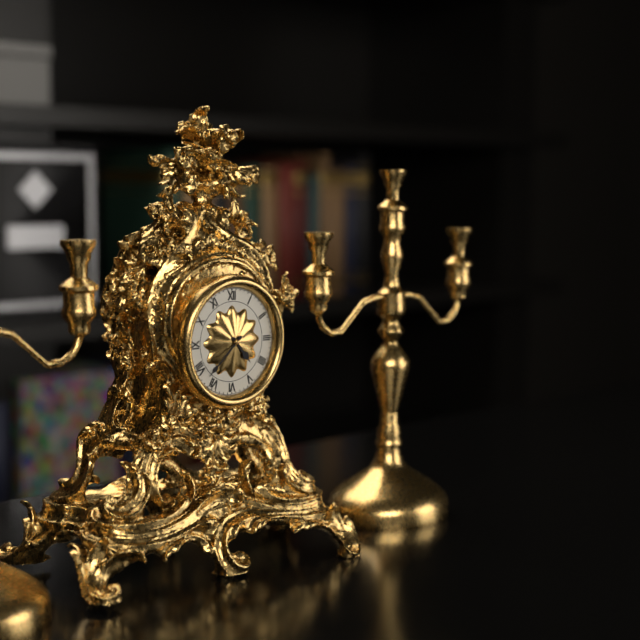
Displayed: 4 h 38 min
